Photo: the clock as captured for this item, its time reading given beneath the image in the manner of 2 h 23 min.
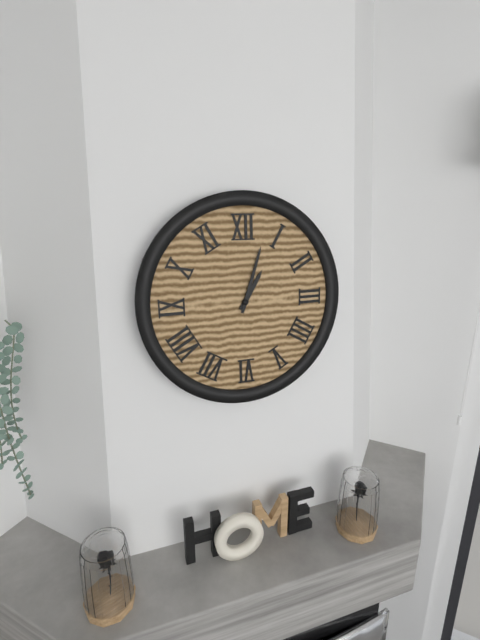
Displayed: 1 h 03 min
